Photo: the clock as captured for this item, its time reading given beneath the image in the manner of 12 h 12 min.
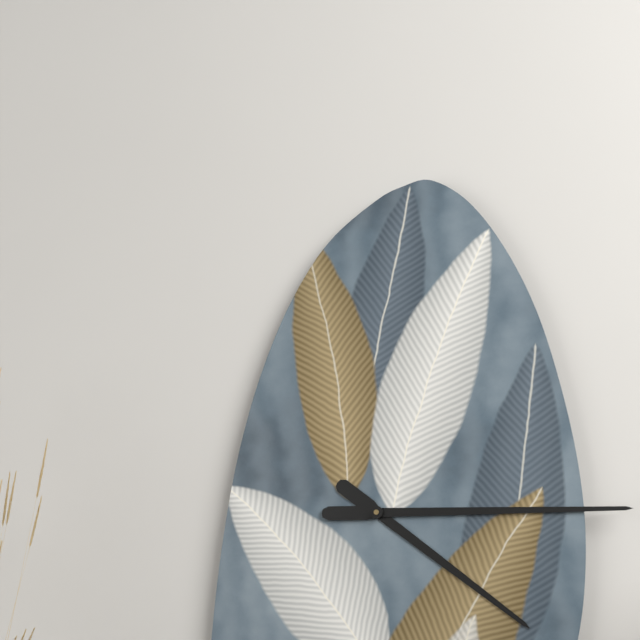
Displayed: 4 h 15 min
